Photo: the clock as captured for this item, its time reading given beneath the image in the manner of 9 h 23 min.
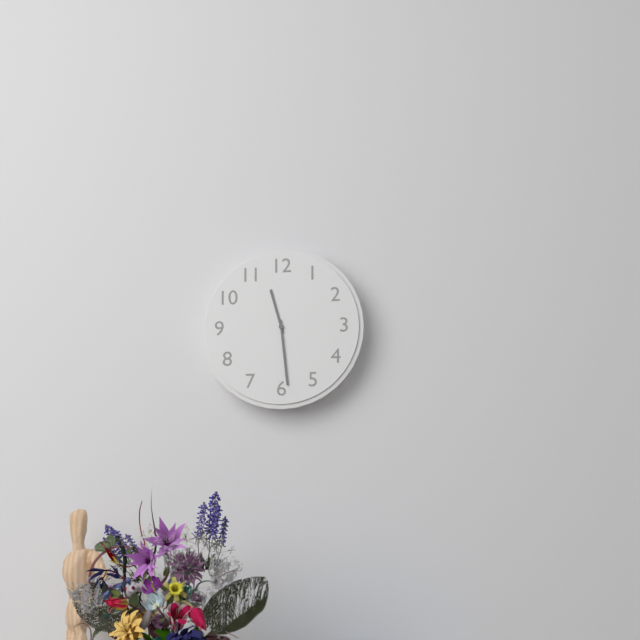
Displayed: 11 h 29 min
